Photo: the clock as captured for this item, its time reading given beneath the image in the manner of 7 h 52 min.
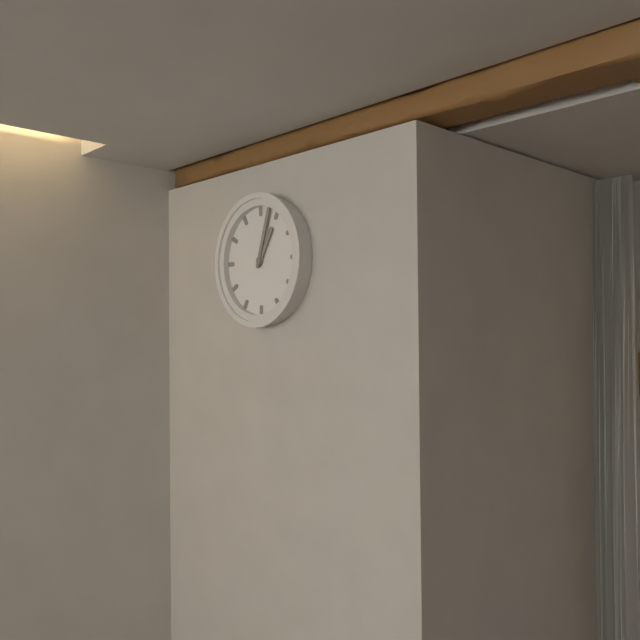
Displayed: 1 h 03 min
